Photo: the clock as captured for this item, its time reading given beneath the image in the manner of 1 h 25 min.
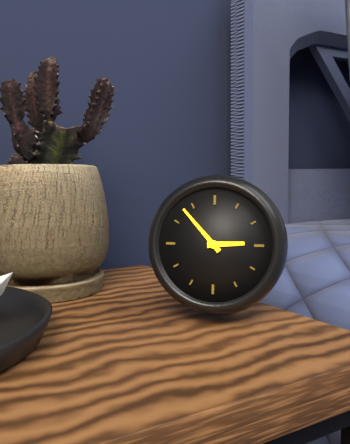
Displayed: 2 h 53 min
